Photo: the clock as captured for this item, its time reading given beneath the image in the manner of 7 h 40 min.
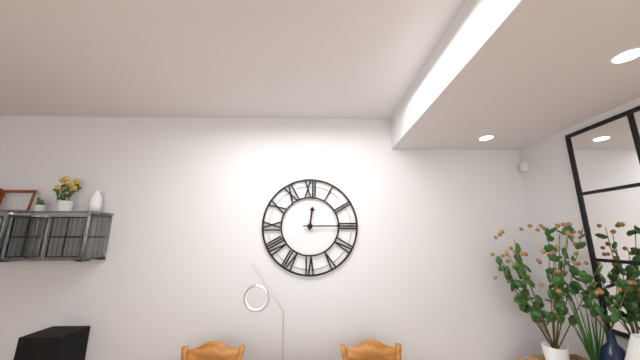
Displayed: 12 h 15 min
